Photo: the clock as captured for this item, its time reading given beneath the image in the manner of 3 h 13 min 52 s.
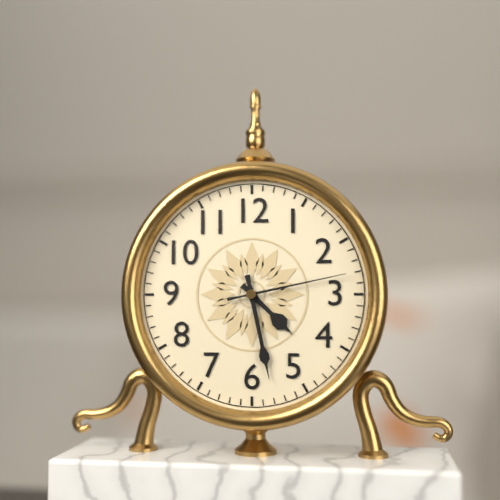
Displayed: 4 h 28 min 13 s
